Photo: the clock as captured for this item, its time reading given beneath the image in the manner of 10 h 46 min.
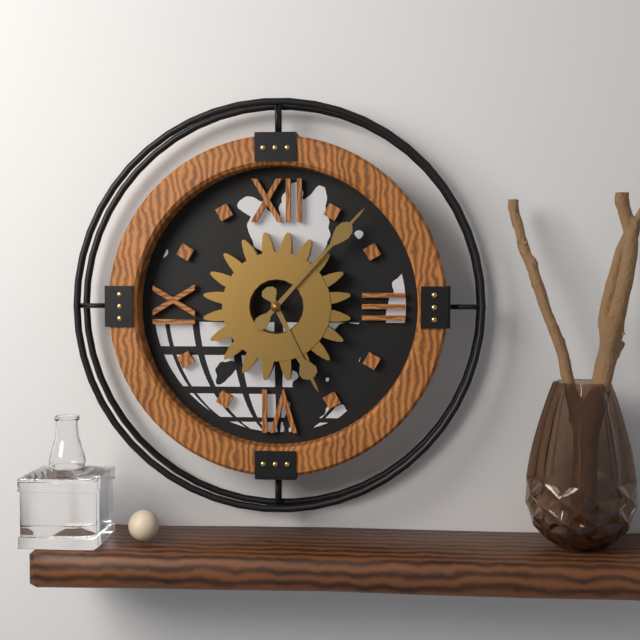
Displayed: 5 h 07 min
